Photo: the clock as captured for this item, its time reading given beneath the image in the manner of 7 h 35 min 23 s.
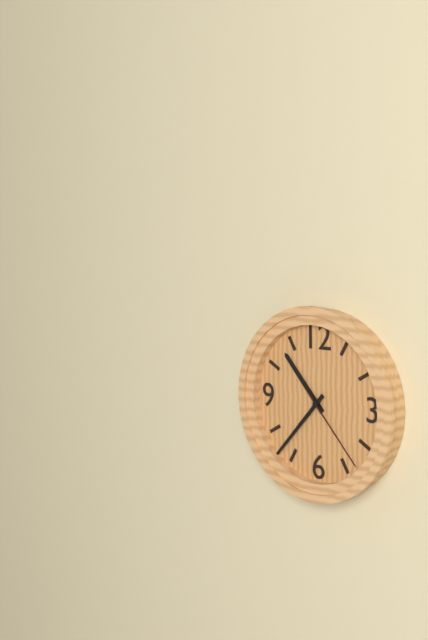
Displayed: 10 h 37 min 23 s
